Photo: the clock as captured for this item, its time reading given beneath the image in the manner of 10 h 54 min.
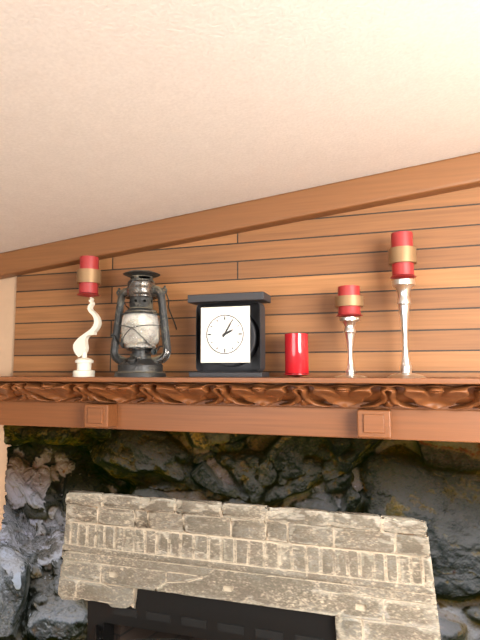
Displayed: 2 h 05 min
